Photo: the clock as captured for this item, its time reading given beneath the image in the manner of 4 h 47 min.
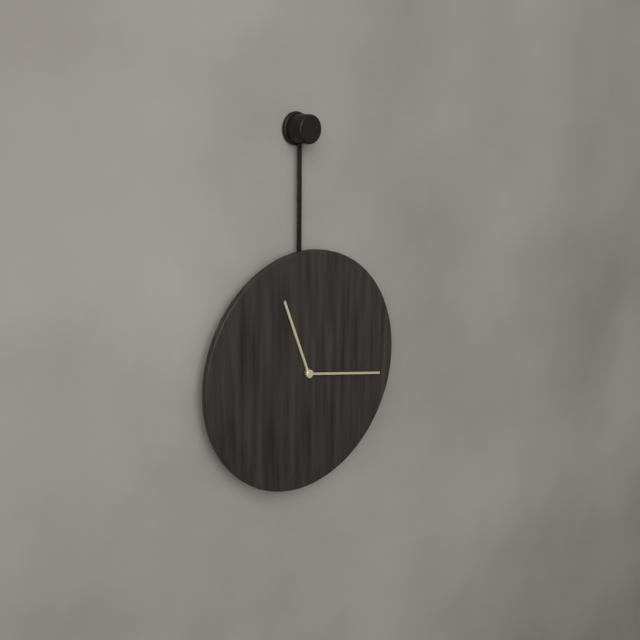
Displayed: 11 h 17 min
